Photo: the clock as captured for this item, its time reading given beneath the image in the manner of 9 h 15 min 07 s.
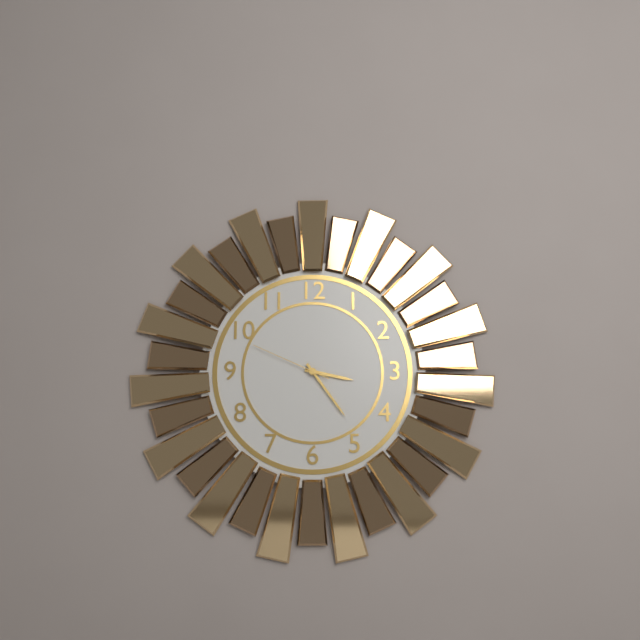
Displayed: 3 h 24 min 49 s
